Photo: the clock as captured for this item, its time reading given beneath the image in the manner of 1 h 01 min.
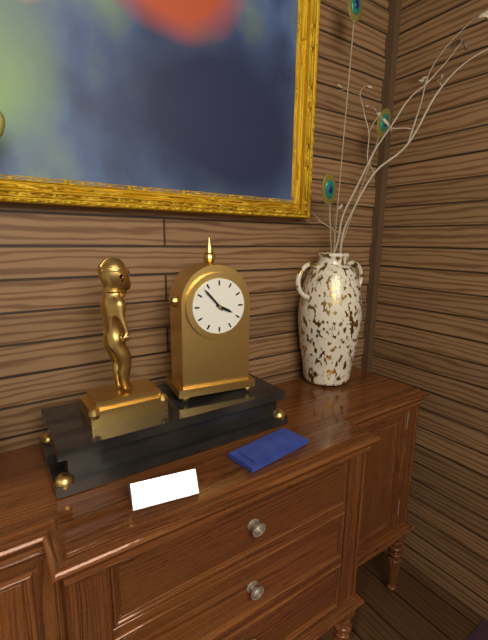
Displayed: 3 h 53 min
